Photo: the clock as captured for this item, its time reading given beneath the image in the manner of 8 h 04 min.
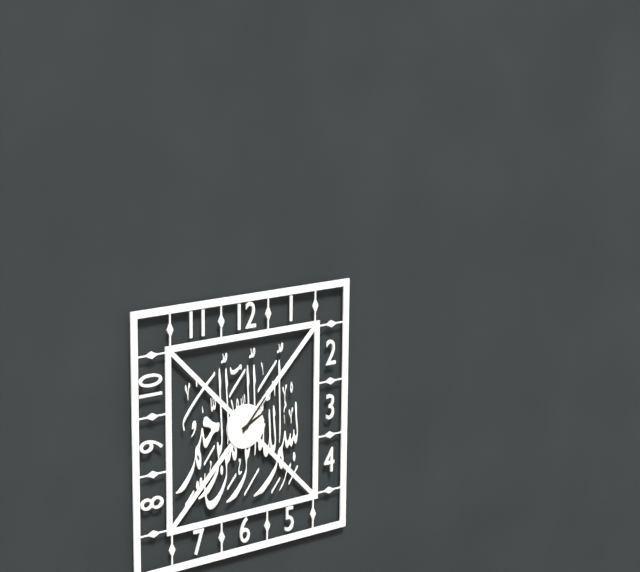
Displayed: 2 h 07 min
